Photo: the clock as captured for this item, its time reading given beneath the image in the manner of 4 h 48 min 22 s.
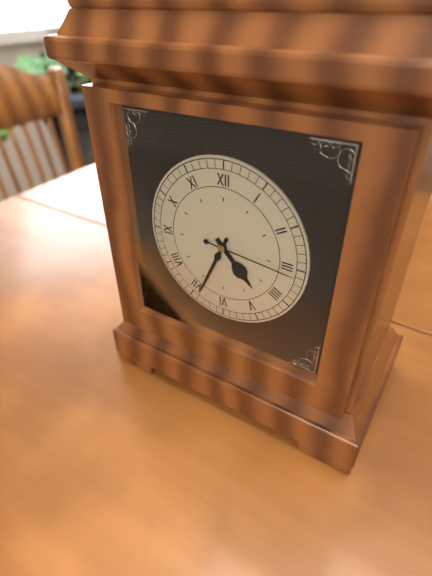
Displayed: 4 h 34 min 16 s
